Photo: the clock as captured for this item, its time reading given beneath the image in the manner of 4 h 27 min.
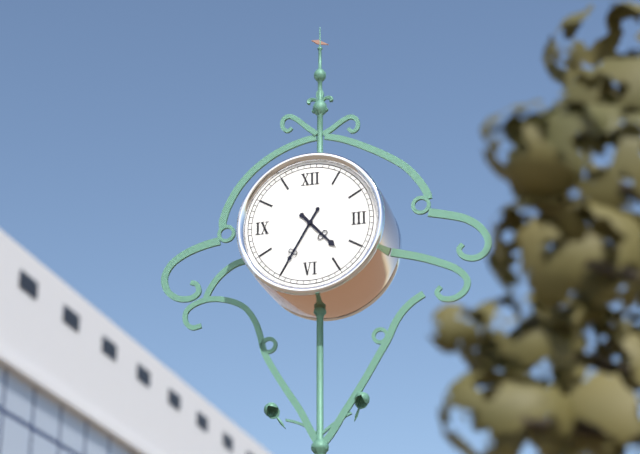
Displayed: 4 h 35 min
